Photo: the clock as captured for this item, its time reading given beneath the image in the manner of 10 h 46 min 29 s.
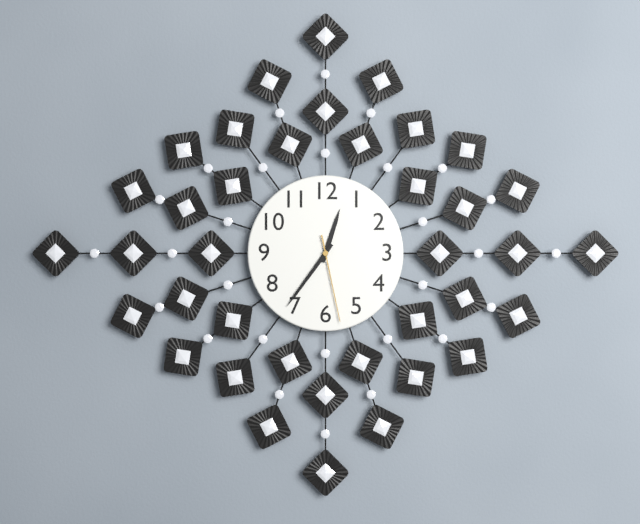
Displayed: 12 h 36 min 28 s
